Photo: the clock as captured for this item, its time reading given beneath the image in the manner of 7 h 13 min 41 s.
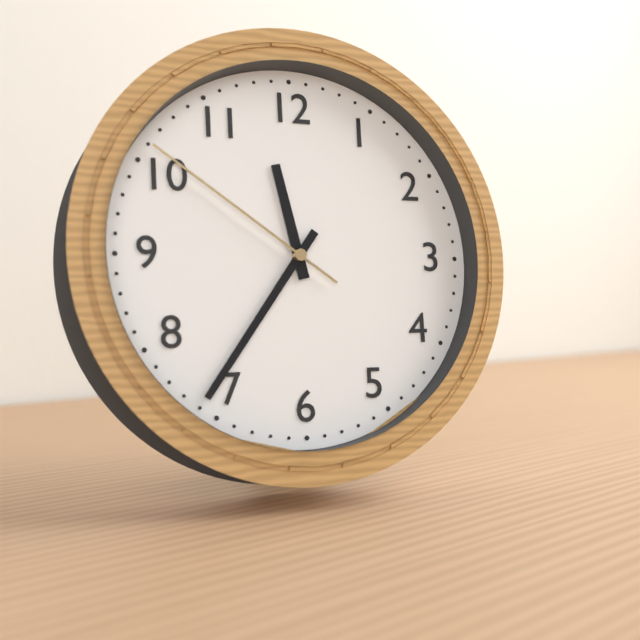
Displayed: 11 h 36 min 51 s
